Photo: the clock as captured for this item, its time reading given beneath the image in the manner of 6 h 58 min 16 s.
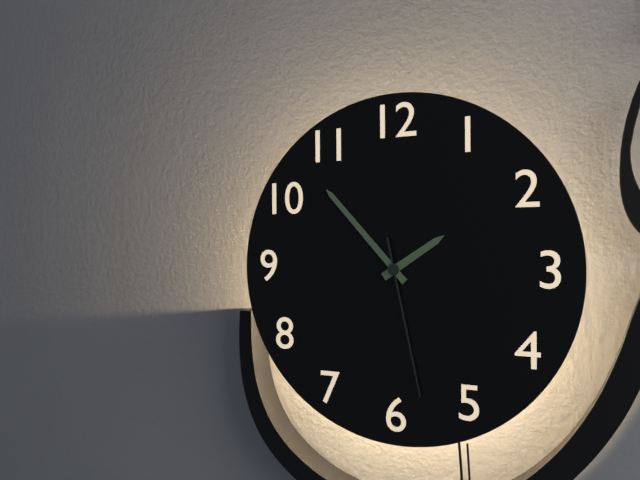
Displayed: 1 h 53 min 28 s
